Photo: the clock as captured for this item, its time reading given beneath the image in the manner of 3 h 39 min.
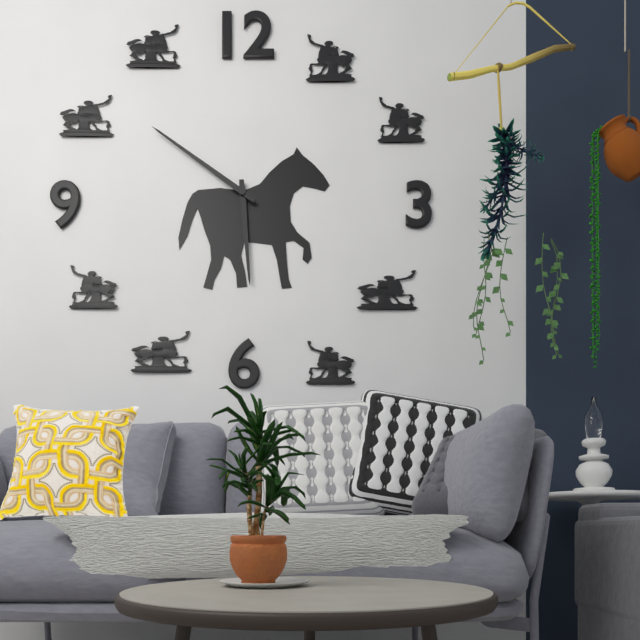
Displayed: 5 h 51 min
